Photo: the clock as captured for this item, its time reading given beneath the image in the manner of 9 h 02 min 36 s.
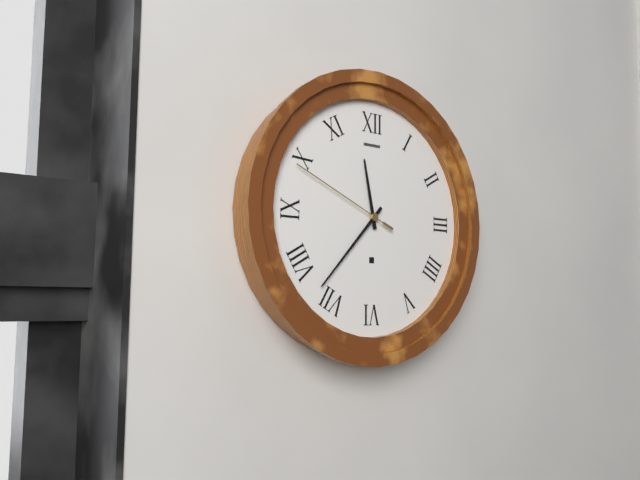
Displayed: 11 h 37 min 49 s
